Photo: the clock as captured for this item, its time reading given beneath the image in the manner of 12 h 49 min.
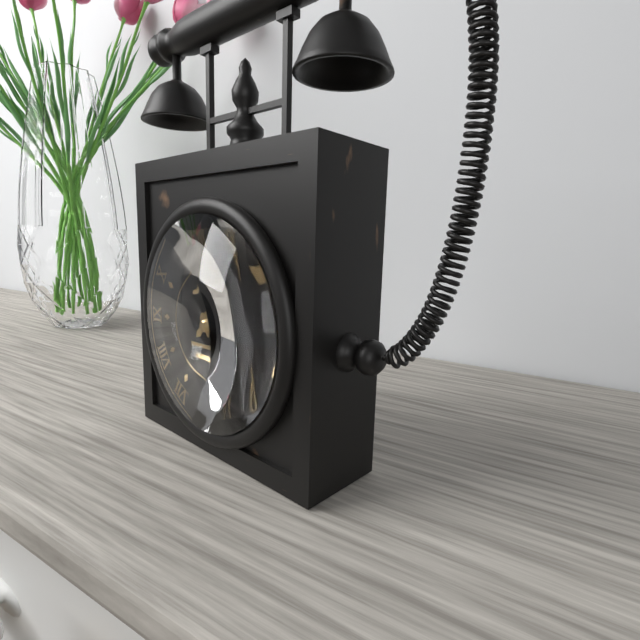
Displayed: 5 h 07 min
